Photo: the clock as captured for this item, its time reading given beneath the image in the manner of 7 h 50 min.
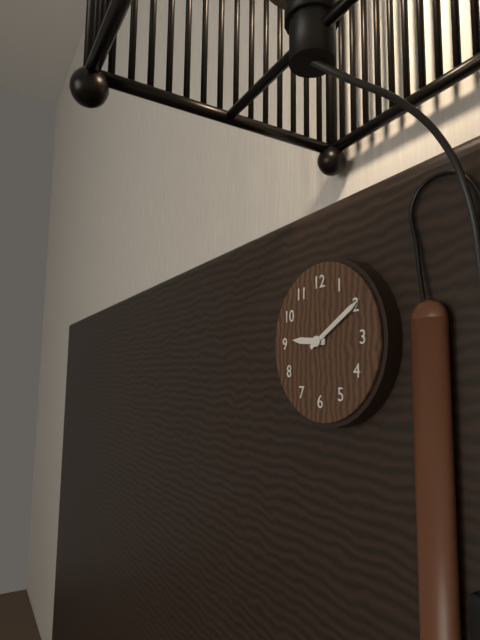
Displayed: 9 h 10 min
